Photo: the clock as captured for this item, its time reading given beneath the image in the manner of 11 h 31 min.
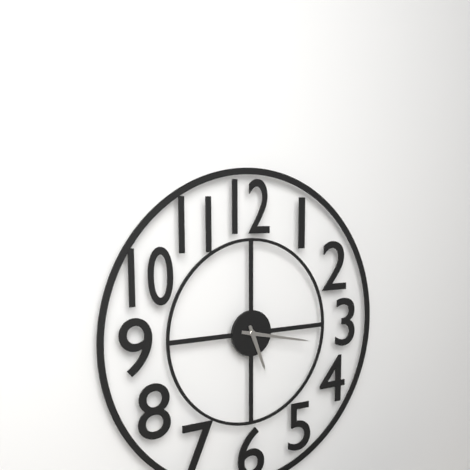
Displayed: 5 h 17 min
